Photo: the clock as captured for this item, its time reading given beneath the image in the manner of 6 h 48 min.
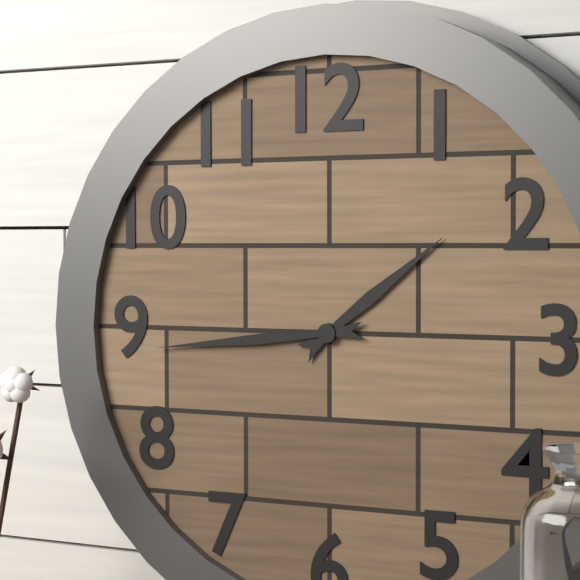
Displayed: 1 h 44 min
